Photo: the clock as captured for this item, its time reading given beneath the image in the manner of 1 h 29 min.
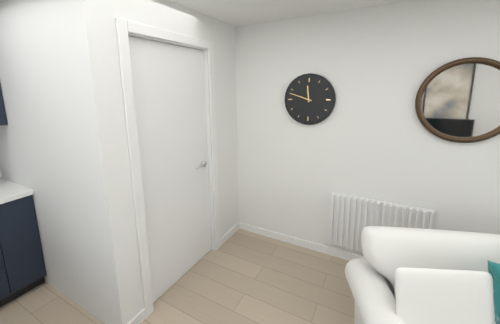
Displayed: 11 h 48 min
